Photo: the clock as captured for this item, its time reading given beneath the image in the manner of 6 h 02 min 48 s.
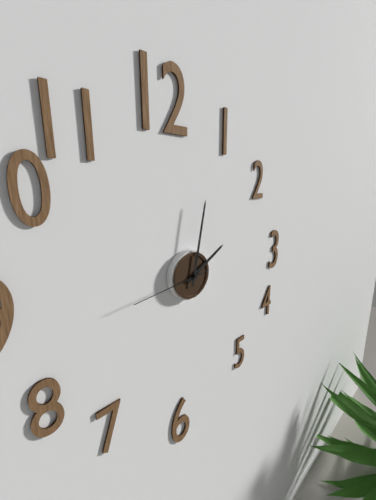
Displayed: 2 h 02 min 44 s
